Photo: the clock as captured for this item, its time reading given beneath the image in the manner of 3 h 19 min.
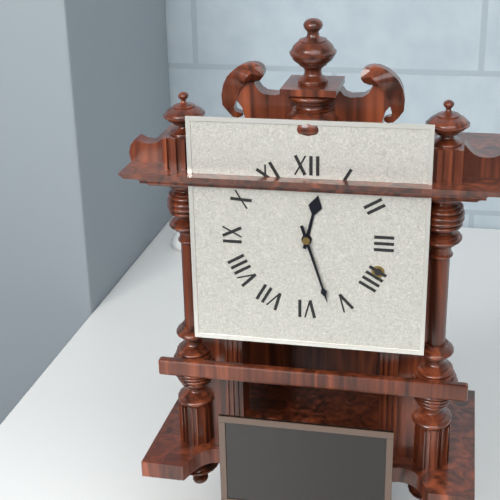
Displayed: 12 h 27 min
